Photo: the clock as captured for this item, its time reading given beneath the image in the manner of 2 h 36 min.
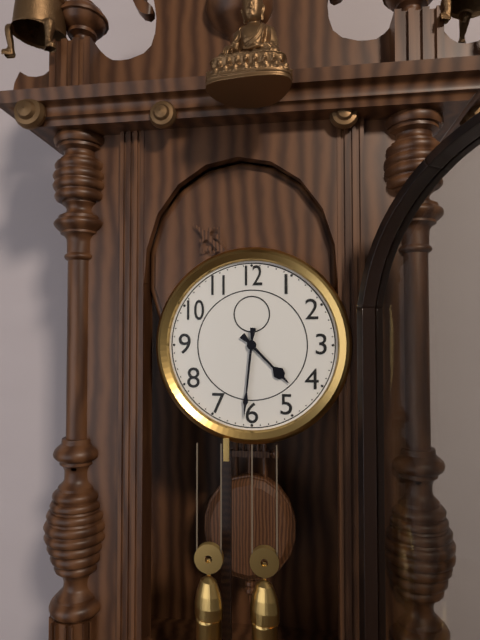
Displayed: 4 h 31 min
